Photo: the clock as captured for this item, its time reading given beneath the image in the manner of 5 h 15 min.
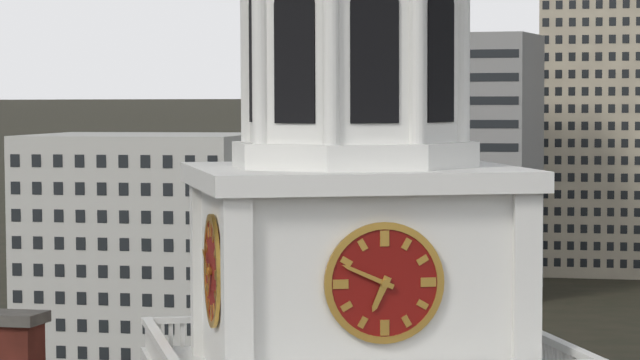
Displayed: 6 h 49 min
